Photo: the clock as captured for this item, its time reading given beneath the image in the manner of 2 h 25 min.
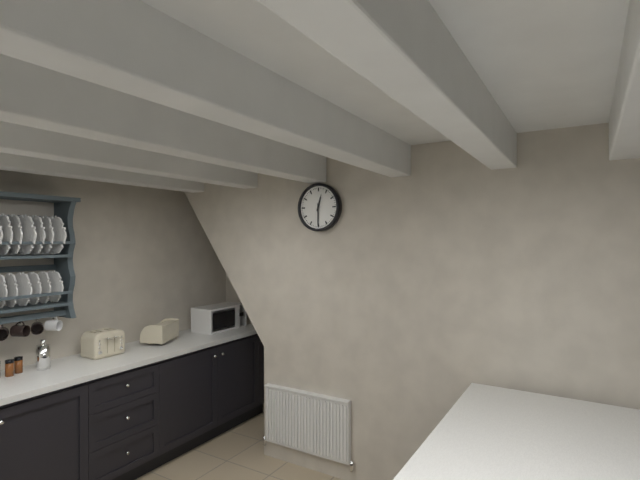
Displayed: 12 h 30 min
